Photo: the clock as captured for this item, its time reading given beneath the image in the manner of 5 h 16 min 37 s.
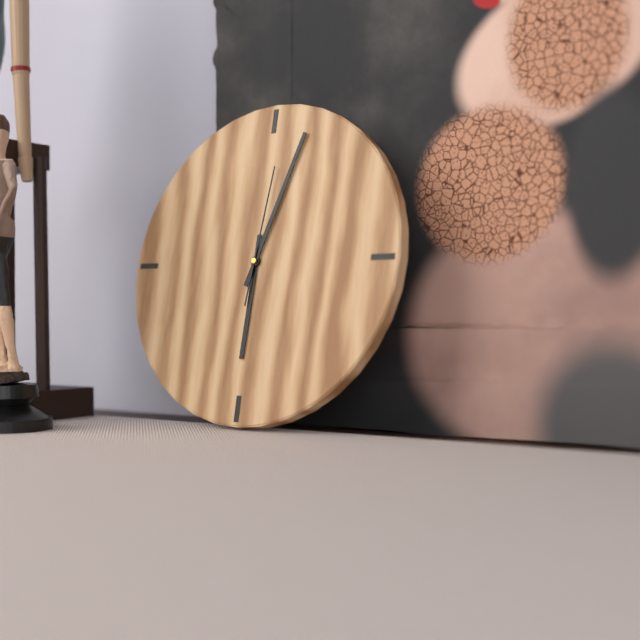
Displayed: 6 h 03 min 01 s
